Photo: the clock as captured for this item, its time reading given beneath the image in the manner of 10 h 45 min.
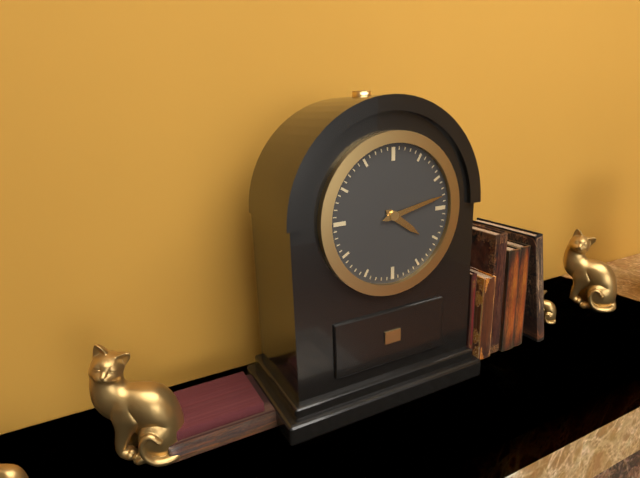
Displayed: 4 h 13 min
